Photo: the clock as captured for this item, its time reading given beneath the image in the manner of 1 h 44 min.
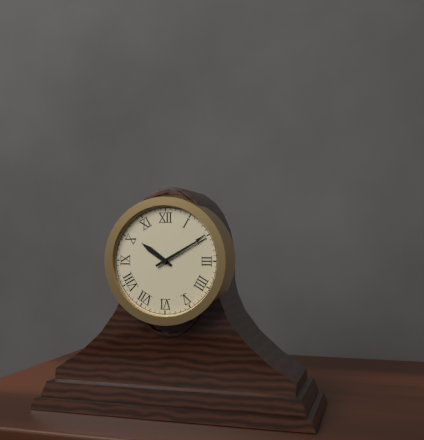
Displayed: 10 h 10 min
